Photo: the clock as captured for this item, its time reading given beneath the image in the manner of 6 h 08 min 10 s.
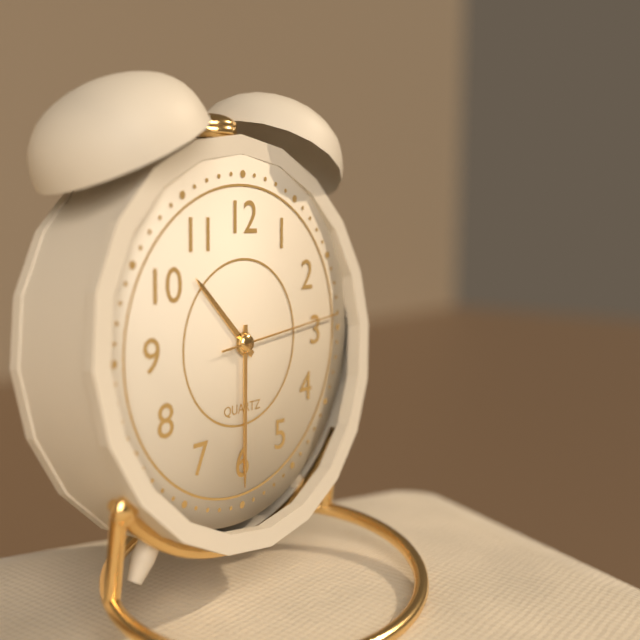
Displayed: 10 h 30 min 14 s
